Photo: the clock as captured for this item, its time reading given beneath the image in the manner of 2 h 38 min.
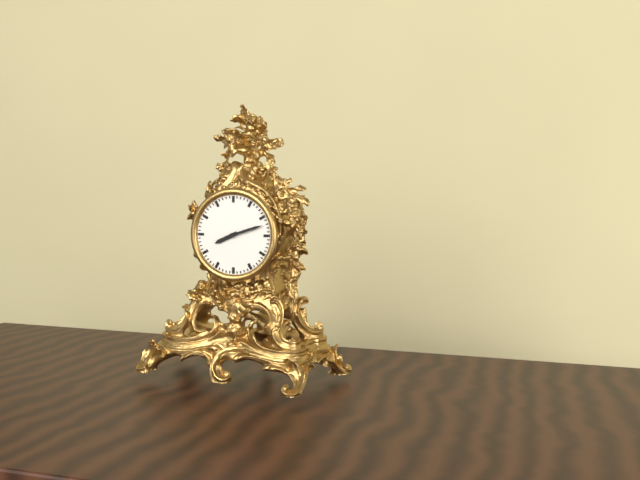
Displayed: 8 h 12 min
